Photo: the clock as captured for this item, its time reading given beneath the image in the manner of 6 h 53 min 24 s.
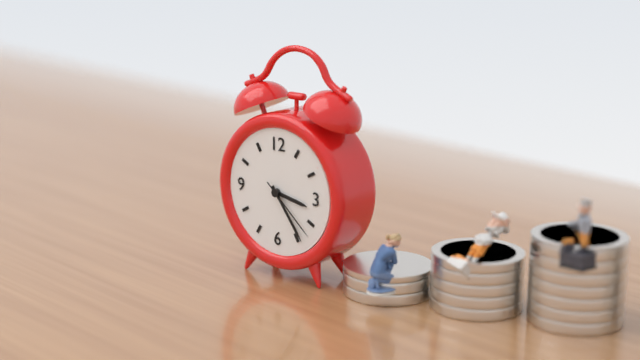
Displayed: 3 h 24 min 22 s
